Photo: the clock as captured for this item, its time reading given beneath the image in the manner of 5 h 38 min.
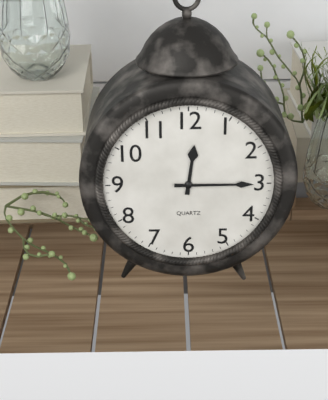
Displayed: 12 h 15 min
